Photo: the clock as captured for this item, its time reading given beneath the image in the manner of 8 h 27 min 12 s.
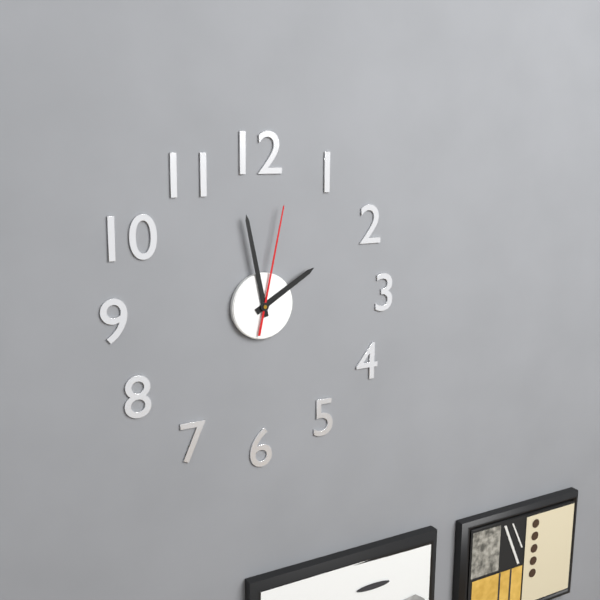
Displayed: 1 h 58 min 02 s
